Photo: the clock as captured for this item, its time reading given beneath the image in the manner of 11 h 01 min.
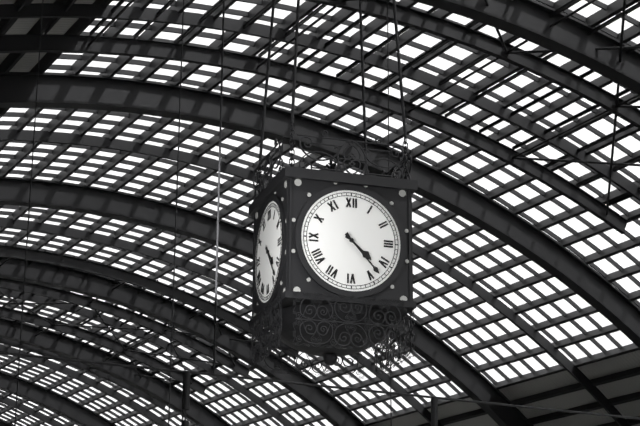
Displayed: 4 h 23 min
